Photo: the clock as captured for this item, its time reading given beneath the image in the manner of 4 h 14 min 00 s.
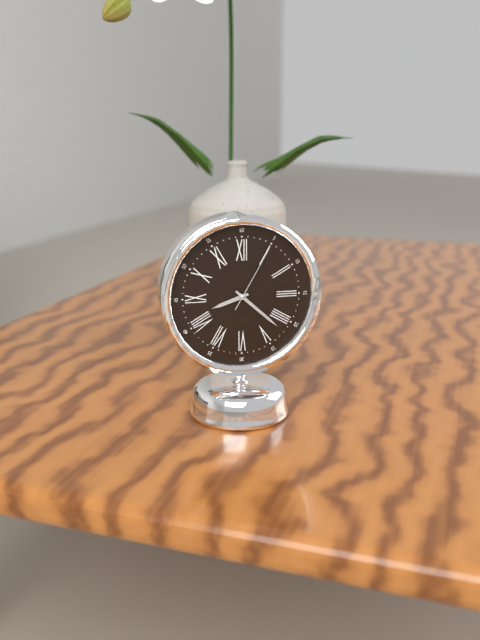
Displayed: 8 h 22 min 05 s
